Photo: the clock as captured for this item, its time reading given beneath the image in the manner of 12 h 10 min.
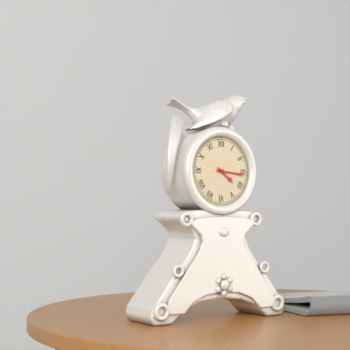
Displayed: 4 h 16 min
